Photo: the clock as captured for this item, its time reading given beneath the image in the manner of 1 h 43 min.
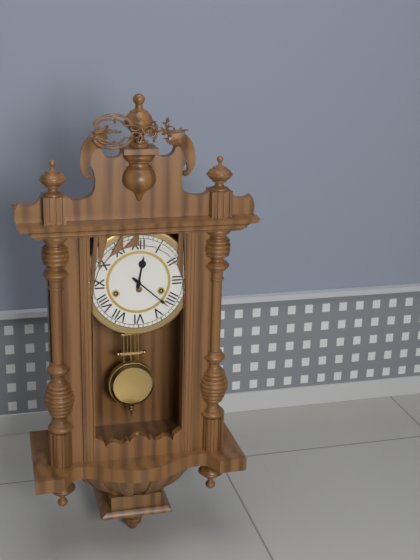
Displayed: 12 h 22 min
